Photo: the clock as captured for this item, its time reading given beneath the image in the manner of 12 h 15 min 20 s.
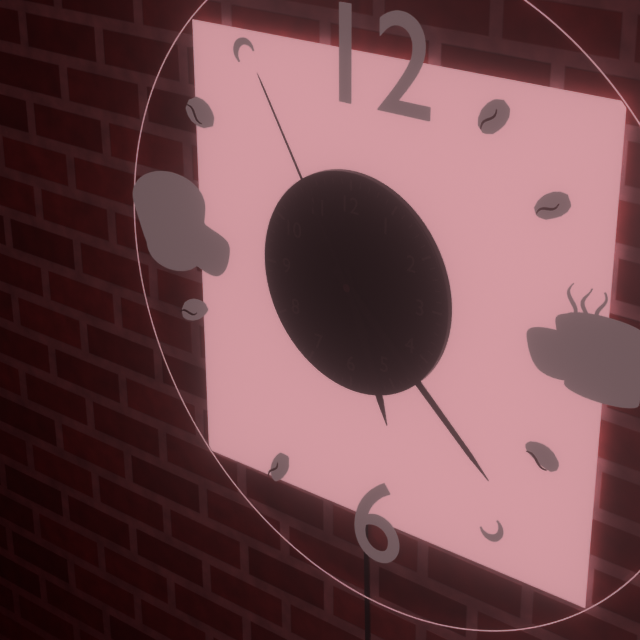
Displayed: 5 h 22 min 55 s
